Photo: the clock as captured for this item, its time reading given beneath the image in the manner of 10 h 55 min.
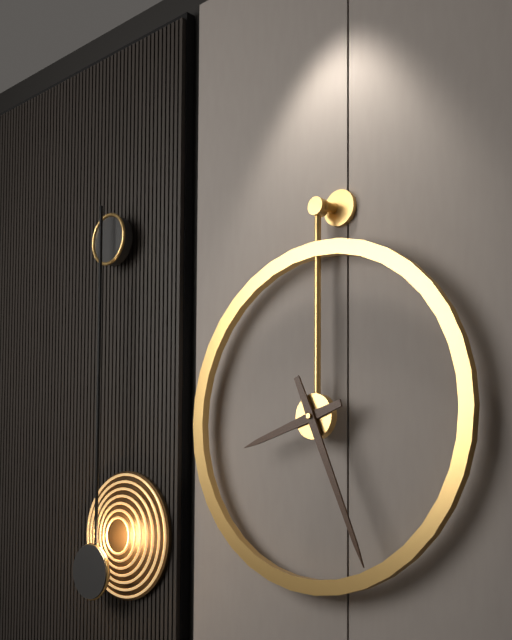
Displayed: 8 h 26 min
